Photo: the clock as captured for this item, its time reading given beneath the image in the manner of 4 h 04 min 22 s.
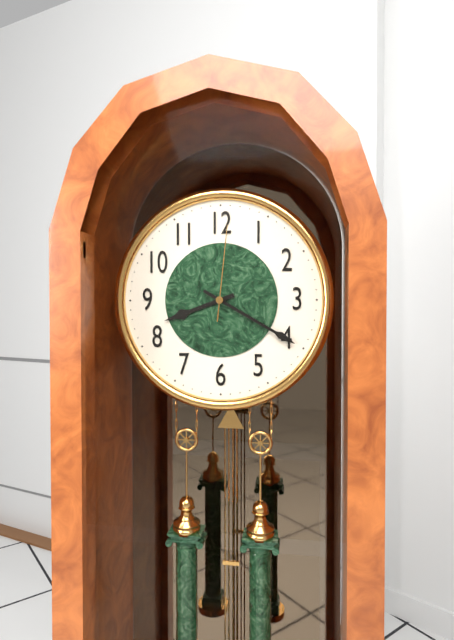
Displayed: 8 h 20 min 01 s
